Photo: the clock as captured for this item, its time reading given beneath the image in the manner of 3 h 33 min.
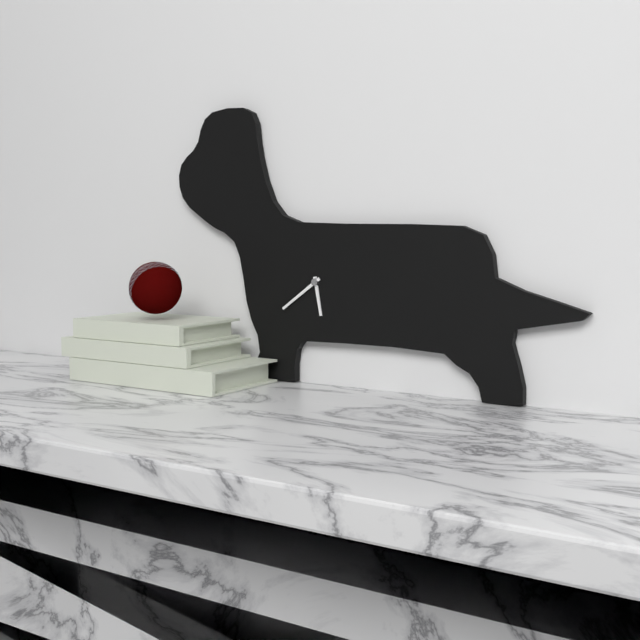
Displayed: 5 h 39 min
